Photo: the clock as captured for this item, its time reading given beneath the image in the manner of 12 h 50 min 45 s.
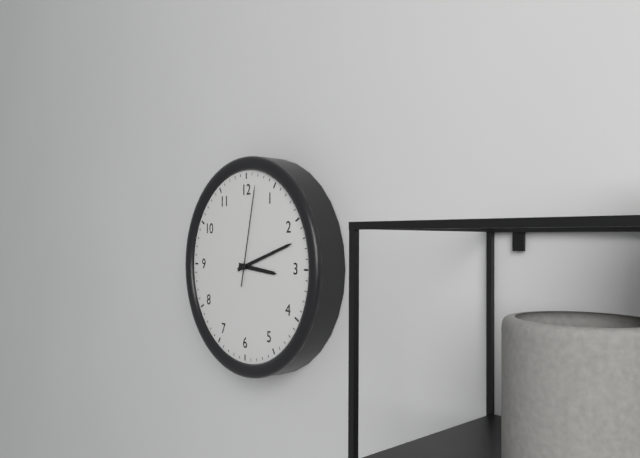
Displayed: 3 h 12 min 02 s
